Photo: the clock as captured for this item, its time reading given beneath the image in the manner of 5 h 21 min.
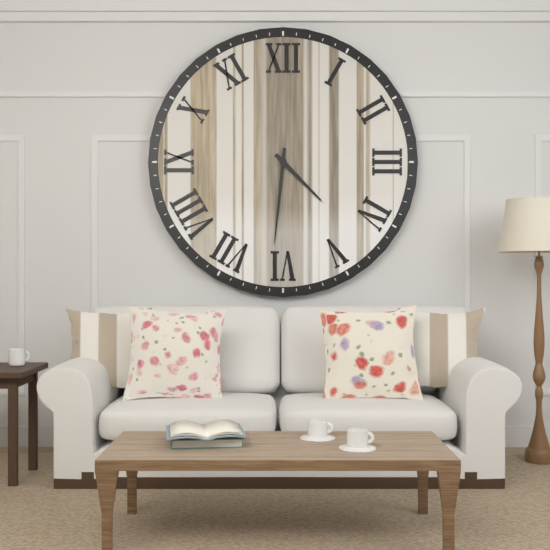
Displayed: 4 h 31 min
